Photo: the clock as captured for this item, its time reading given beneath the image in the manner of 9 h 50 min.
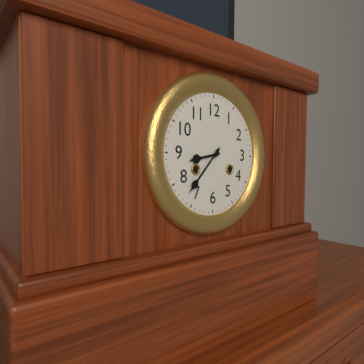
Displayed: 8 h 37 min
